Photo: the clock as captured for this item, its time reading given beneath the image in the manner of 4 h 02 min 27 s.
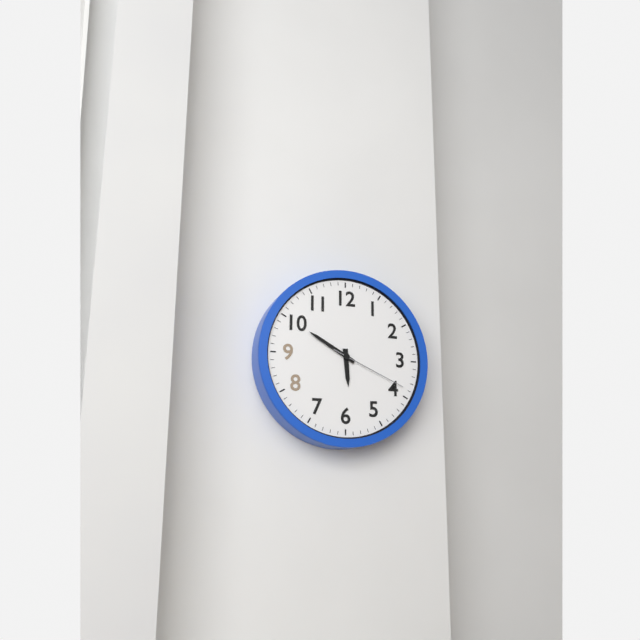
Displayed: 5 h 50 min 19 s
